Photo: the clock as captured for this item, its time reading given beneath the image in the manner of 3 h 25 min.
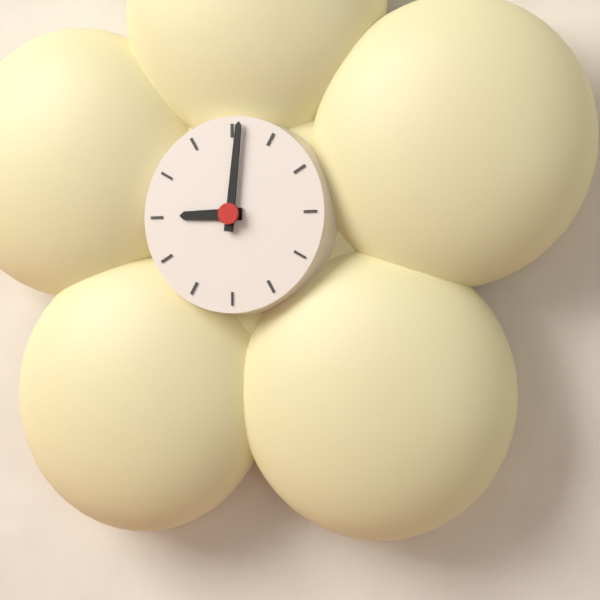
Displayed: 9 h 01 min
